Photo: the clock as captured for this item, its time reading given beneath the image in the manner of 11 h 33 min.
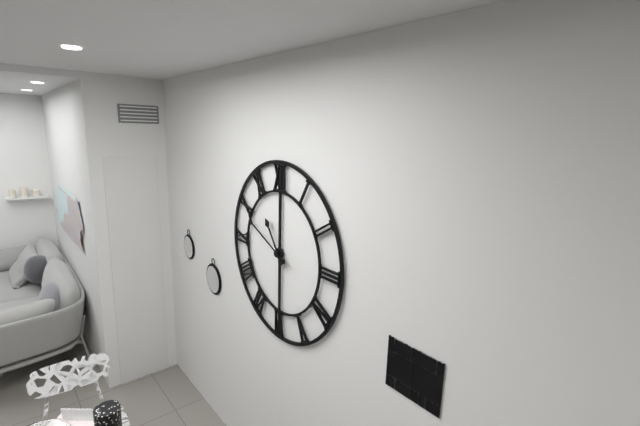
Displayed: 10 h 49 min
